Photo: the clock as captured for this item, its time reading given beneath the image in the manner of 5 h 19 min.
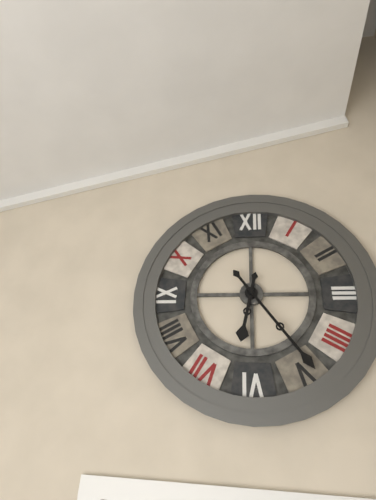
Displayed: 6 h 24 min
